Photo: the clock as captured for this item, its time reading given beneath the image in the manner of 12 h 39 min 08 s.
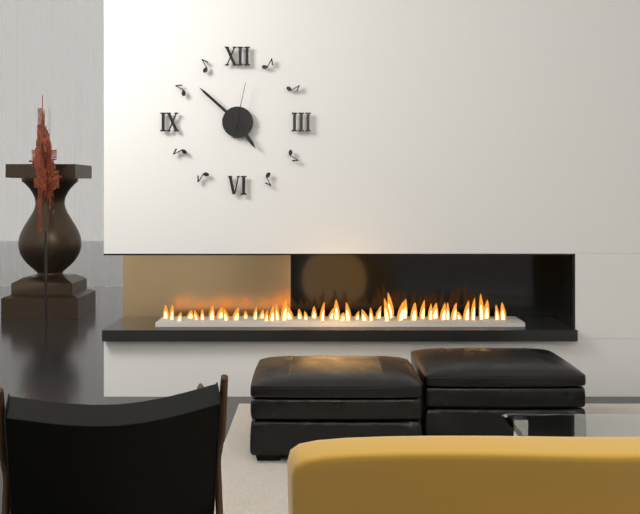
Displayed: 4 h 52 min 02 s
